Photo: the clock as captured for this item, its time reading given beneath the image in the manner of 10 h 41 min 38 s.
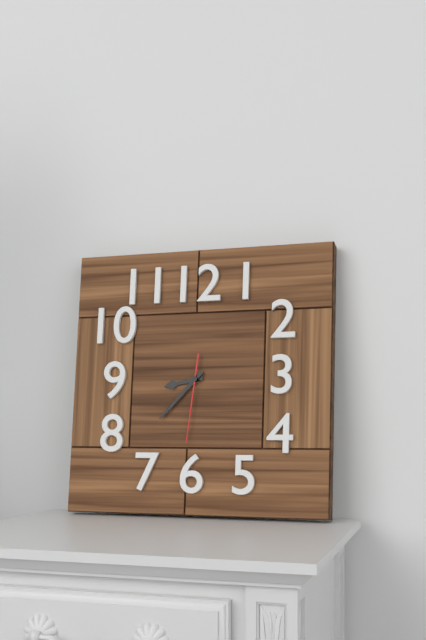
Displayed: 8 h 37 min 31 s
